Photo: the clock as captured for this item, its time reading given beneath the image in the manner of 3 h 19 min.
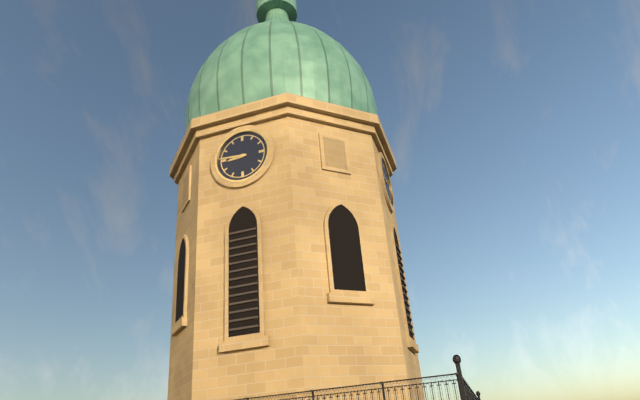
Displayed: 8 h 46 min
